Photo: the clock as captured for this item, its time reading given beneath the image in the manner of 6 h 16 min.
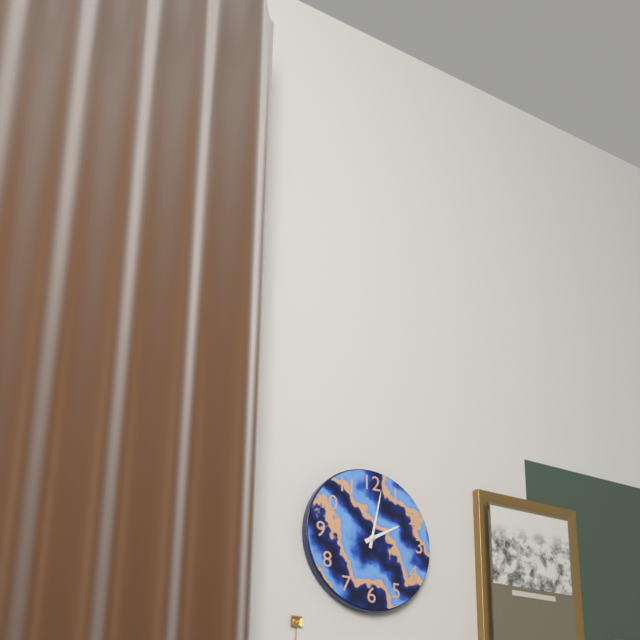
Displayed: 2 h 02 min
